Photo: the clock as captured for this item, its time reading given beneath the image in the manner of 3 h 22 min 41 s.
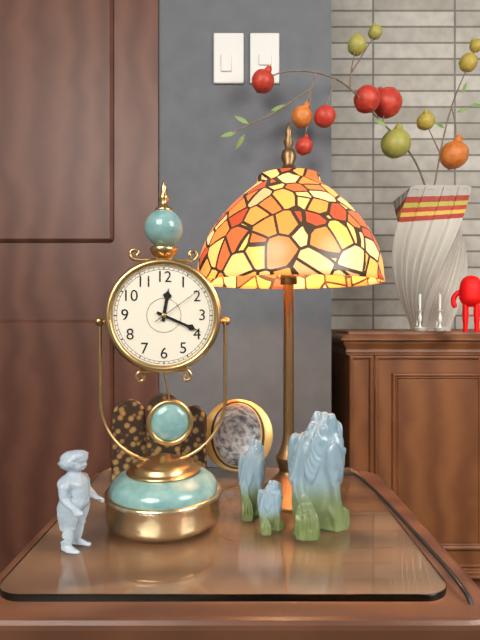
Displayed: 12 h 19 min 09 s
